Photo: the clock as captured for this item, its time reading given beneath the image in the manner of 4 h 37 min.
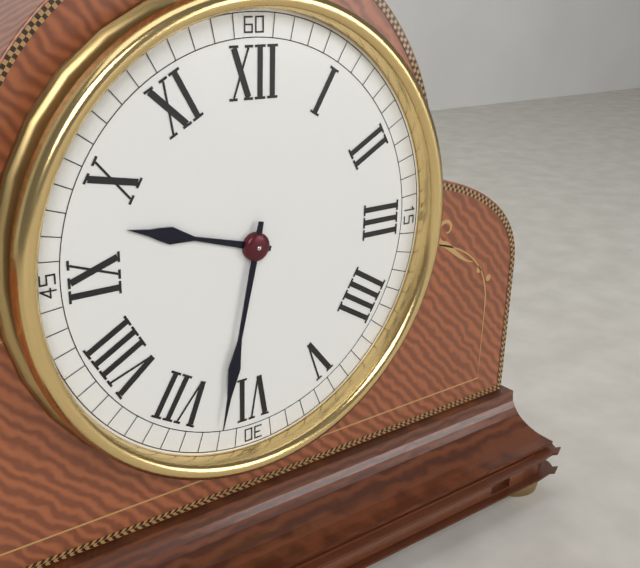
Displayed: 9 h 32 min
